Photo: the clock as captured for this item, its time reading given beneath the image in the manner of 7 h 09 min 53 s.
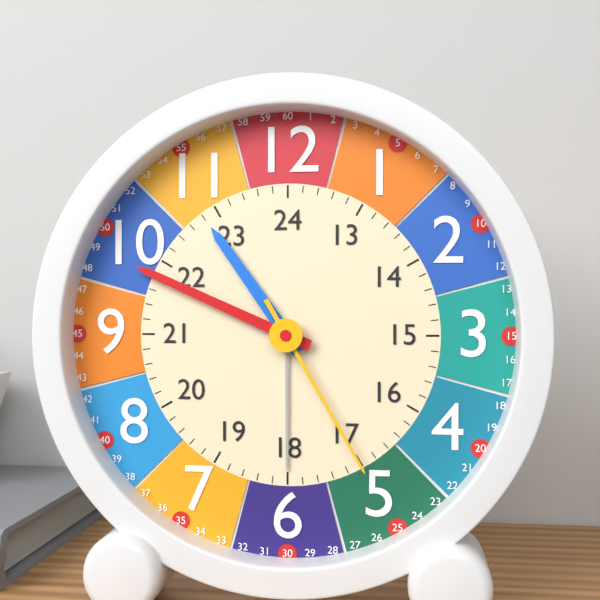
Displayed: 10 h 49 min 25 s
